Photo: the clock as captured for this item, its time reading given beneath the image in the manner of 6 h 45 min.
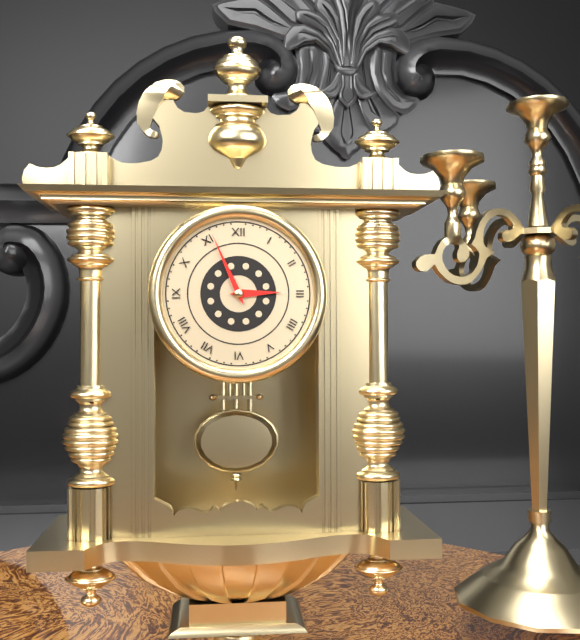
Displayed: 2 h 56 min
